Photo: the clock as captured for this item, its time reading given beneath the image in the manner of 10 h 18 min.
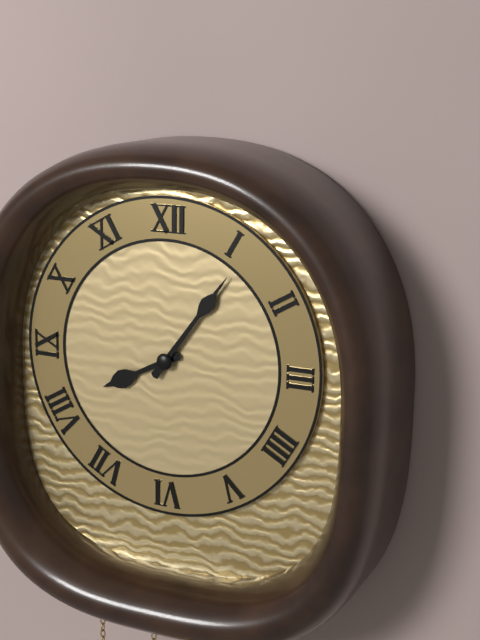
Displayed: 8 h 06 min
